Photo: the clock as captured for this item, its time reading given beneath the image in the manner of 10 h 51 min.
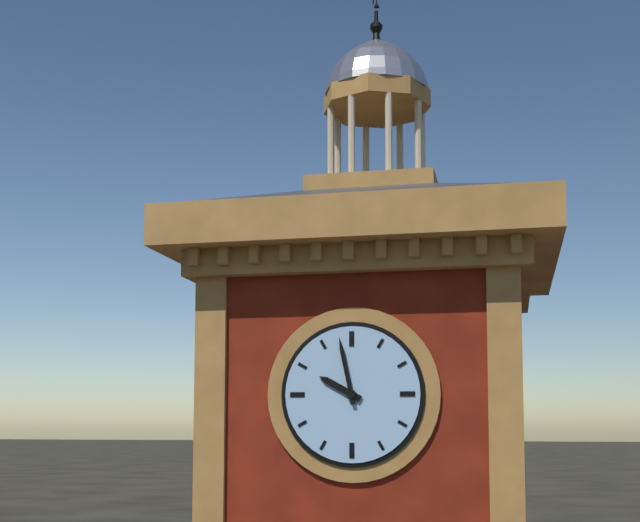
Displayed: 9 h 58 min
